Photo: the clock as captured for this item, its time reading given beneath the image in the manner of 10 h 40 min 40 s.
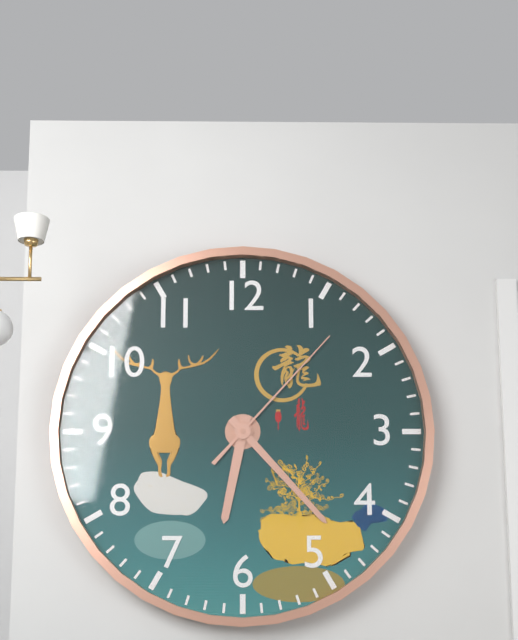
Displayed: 6 h 23 min 07 s
